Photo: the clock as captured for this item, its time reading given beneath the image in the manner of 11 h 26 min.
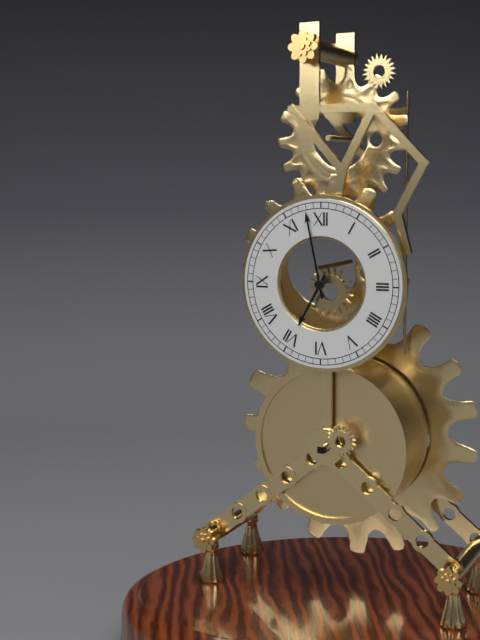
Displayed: 6 h 58 min
